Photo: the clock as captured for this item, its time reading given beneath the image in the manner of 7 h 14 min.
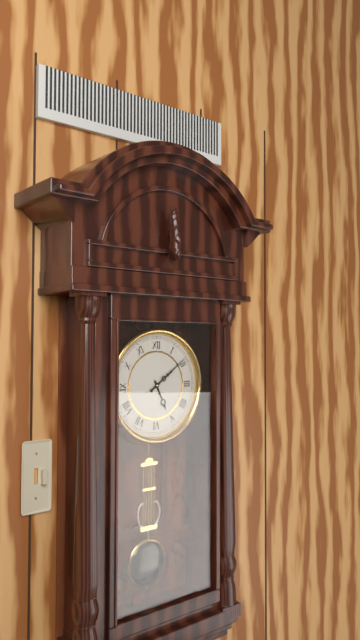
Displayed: 5 h 09 min
